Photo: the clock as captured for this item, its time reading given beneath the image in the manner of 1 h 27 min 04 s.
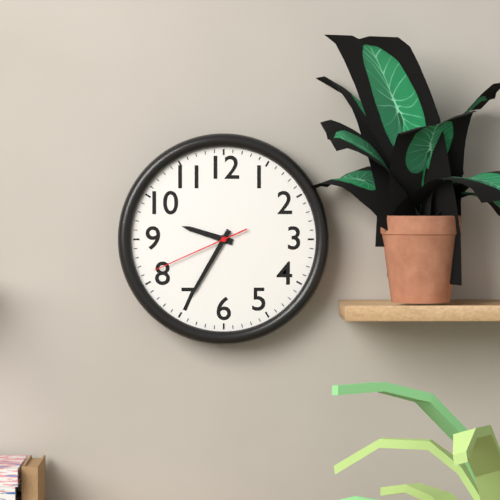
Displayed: 9 h 35 min 41 s
